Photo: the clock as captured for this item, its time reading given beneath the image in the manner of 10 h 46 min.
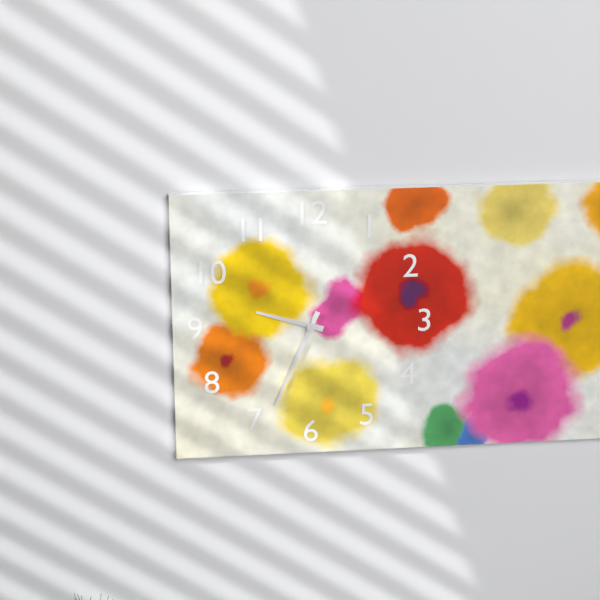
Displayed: 9 h 34 min
